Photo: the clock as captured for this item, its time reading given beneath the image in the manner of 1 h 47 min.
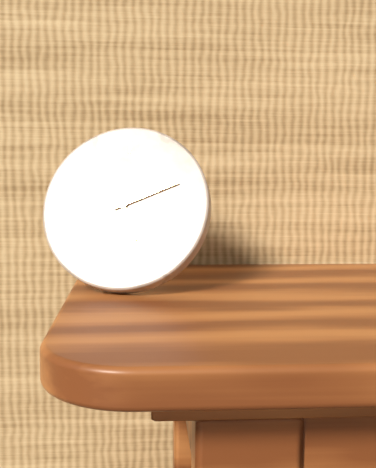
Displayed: 5 h 11 min
